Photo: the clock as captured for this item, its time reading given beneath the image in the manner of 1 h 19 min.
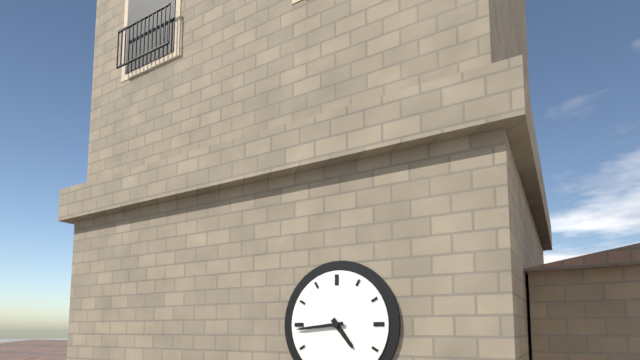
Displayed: 4 h 44 min
